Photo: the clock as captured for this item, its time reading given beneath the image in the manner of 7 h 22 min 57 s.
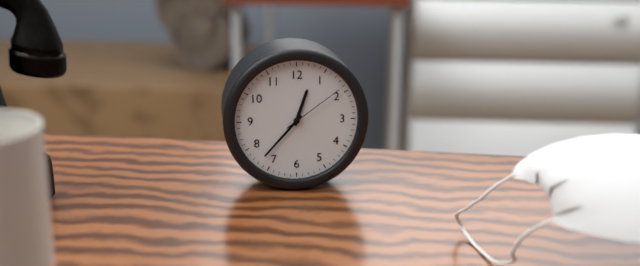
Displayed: 12 h 37 min 09 s
